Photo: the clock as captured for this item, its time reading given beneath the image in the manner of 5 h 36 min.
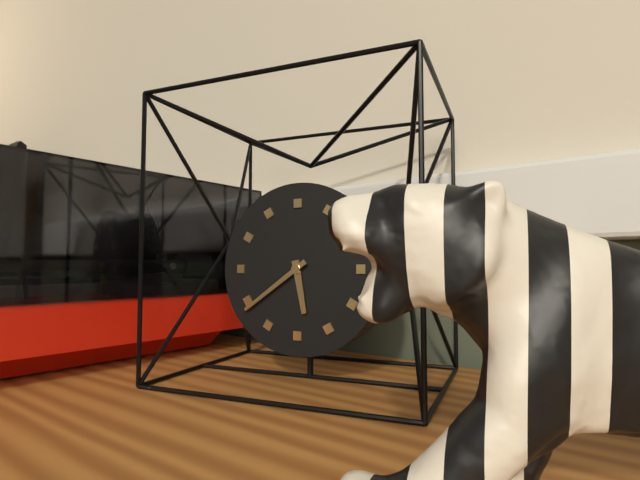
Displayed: 5 h 39 min
